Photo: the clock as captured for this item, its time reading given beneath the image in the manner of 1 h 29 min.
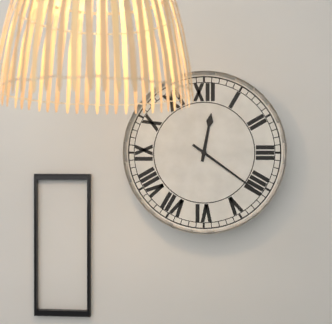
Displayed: 12 h 21 min
